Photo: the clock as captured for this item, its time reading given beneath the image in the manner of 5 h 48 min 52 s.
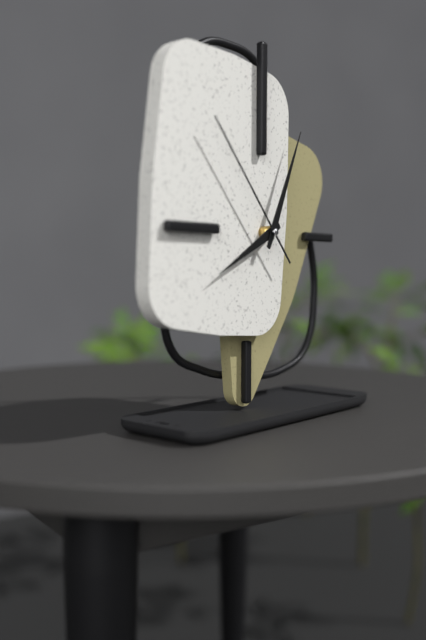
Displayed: 8 h 04 min 53 s
